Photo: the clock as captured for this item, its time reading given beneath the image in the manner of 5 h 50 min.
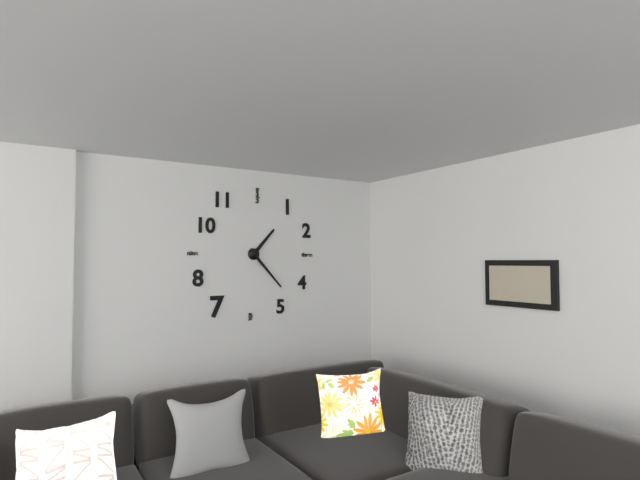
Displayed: 1 h 23 min
